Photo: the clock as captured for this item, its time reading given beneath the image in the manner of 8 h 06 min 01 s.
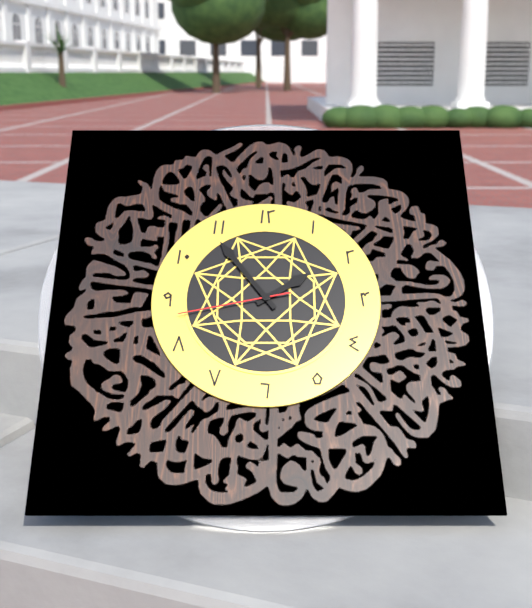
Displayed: 1 h 54 min 43 s
